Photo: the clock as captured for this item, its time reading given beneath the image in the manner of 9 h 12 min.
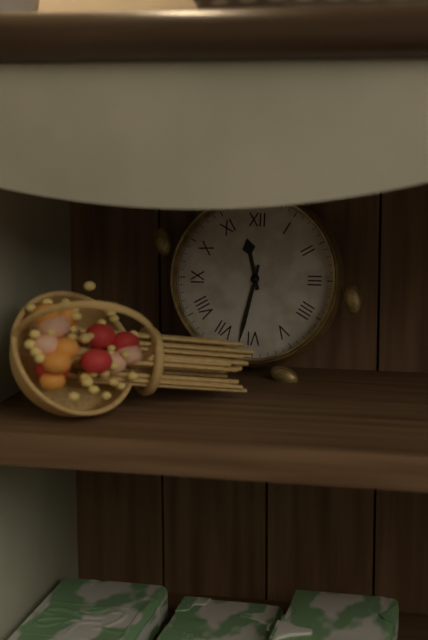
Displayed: 11 h 32 min
